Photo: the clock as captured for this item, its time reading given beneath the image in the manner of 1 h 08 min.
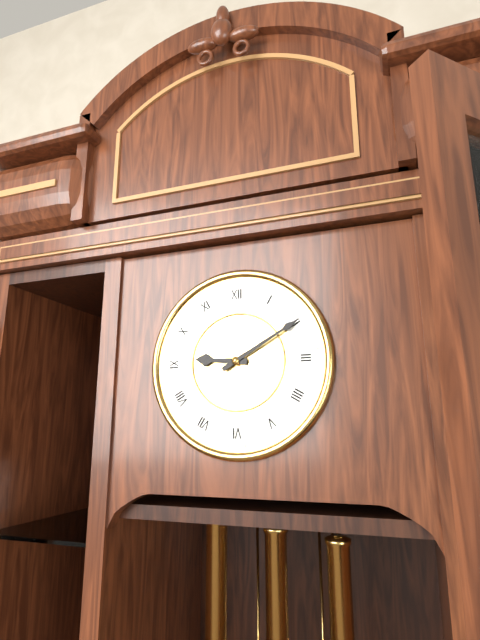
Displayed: 9 h 10 min
